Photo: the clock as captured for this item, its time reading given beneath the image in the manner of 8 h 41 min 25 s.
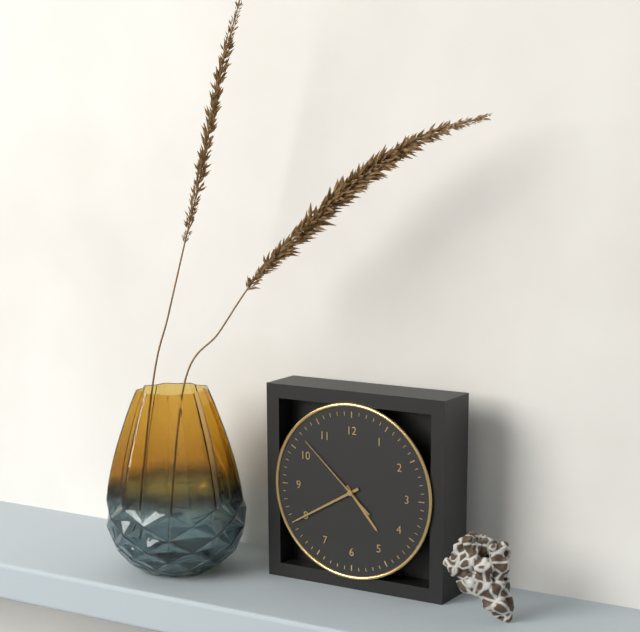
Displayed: 4 h 40 min 52 s
